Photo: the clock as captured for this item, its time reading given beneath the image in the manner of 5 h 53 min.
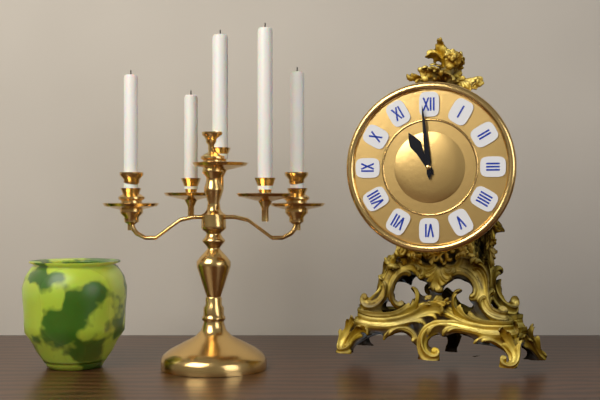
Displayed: 10 h 59 min
